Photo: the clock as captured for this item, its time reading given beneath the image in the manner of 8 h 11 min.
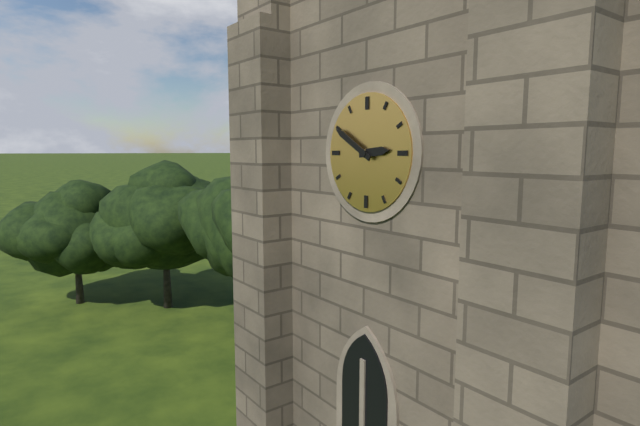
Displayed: 2 h 50 min
